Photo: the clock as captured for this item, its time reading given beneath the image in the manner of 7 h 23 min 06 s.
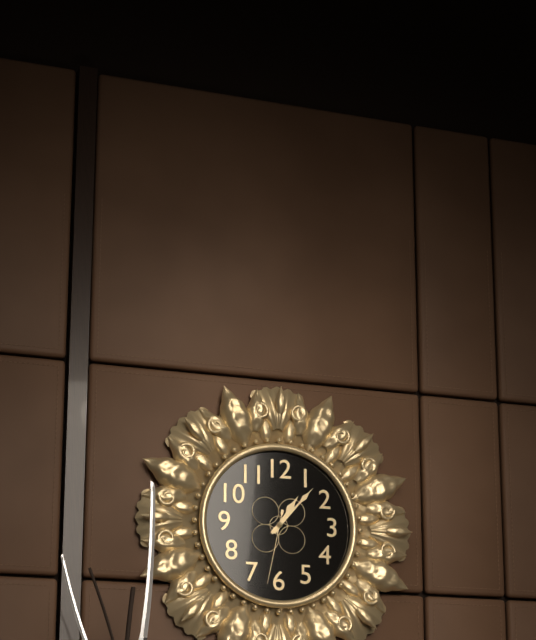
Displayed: 1 h 07 min 32 s
